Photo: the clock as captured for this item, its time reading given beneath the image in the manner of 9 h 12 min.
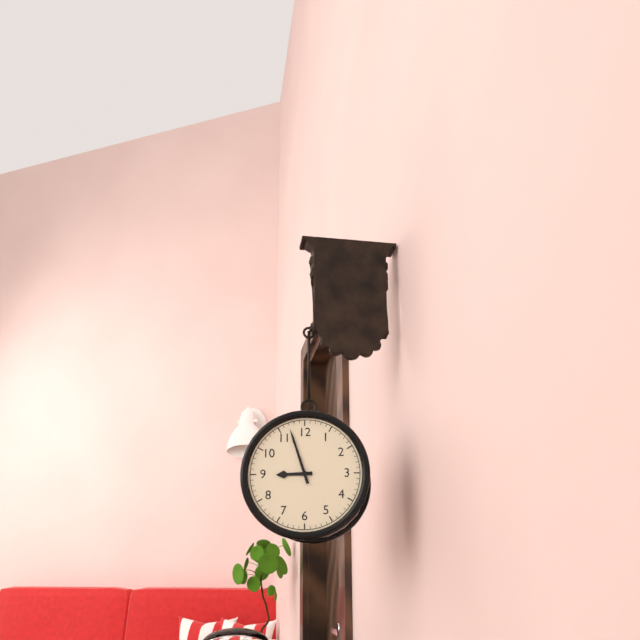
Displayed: 8 h 57 min
